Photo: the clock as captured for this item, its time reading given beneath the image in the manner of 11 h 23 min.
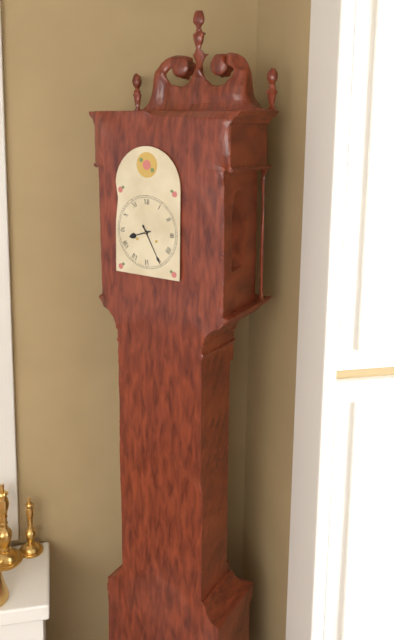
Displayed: 8 h 25 min
